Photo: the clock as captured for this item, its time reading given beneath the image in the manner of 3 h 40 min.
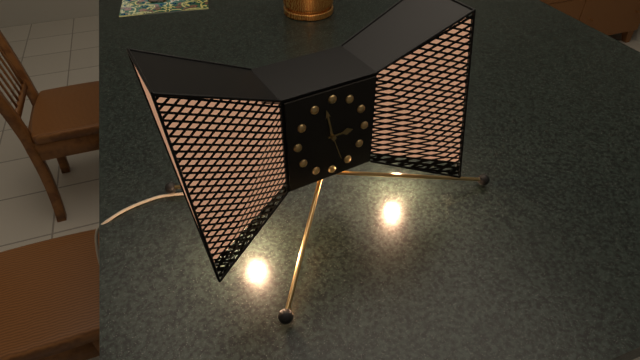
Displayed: 2 h 58 min
